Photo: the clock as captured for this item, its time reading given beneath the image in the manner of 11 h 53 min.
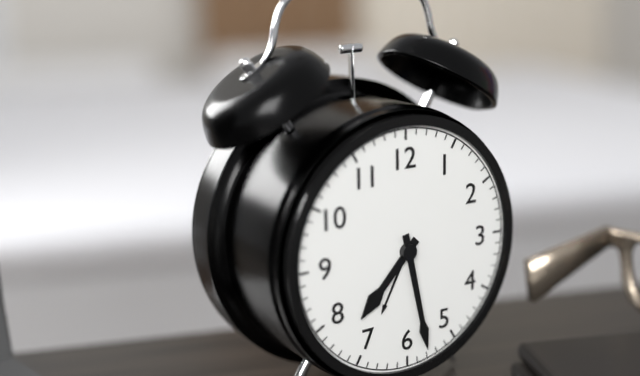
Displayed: 7 h 28 min
